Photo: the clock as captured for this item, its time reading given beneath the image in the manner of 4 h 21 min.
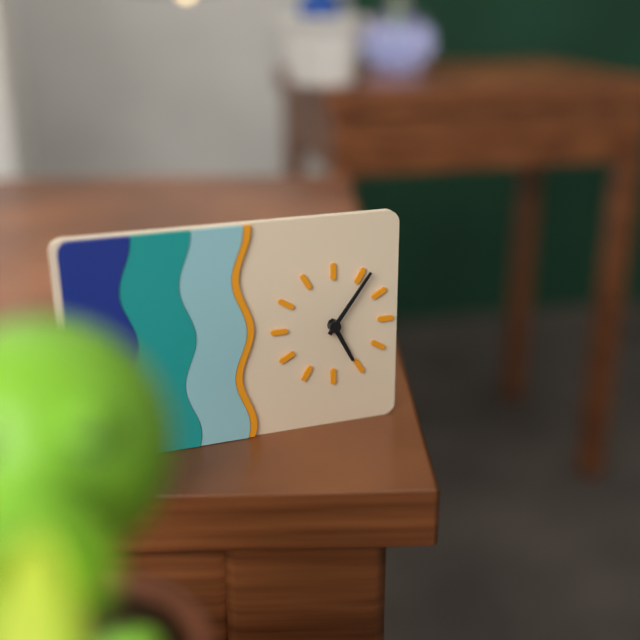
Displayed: 5 h 06 min
